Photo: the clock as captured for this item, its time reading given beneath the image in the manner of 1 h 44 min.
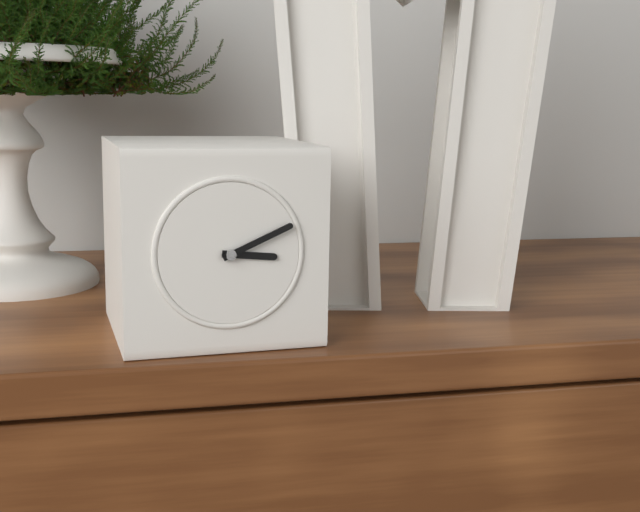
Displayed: 3 h 11 min
